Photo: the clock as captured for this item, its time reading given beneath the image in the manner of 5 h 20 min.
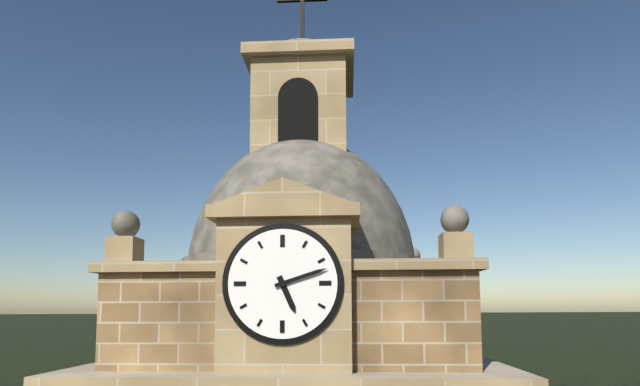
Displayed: 5 h 12 min
